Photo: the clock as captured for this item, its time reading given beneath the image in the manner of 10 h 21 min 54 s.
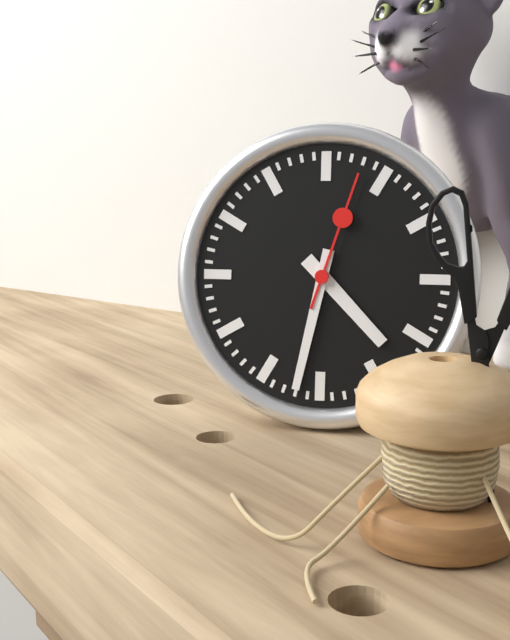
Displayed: 4 h 32 min 03 s
